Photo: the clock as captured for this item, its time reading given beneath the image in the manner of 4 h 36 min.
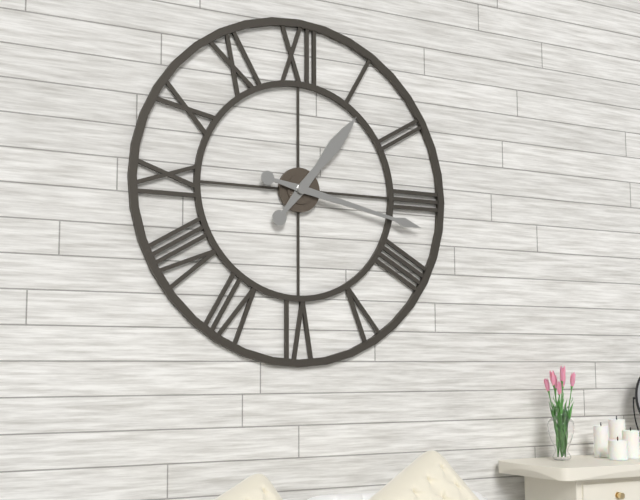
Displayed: 1 h 17 min
